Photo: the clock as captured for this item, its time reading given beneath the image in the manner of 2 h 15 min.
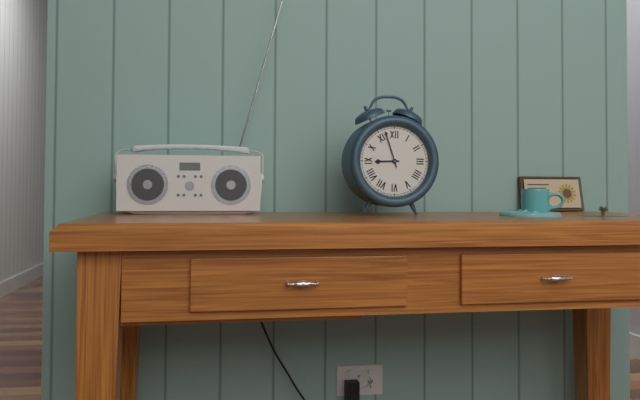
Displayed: 8 h 57 min
